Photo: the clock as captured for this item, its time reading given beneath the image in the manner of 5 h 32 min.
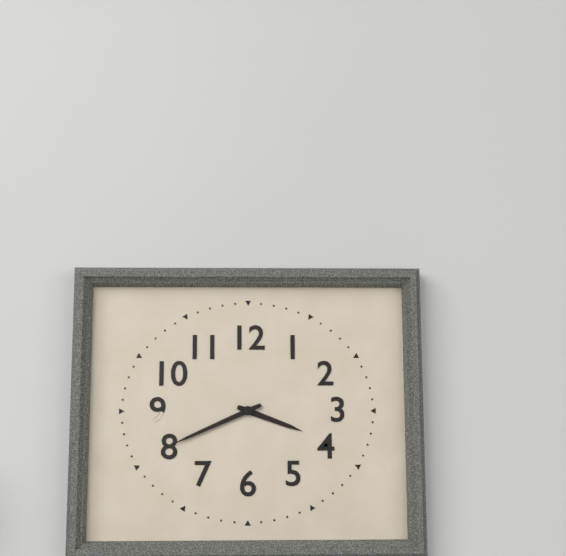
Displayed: 3 h 41 min
